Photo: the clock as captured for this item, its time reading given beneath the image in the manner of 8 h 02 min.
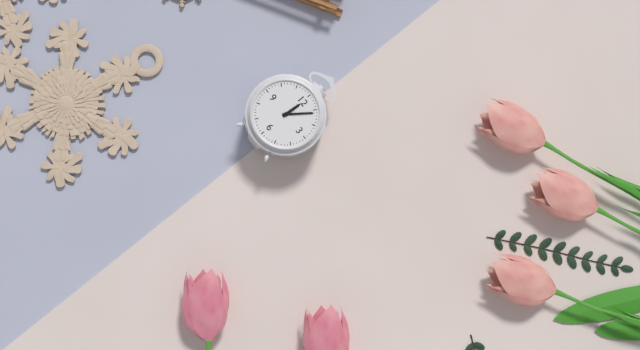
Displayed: 12 h 06 min
